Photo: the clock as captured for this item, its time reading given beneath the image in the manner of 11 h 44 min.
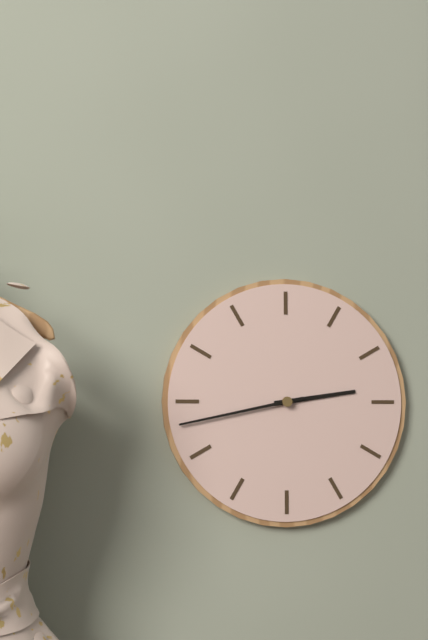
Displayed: 2 h 43 min
